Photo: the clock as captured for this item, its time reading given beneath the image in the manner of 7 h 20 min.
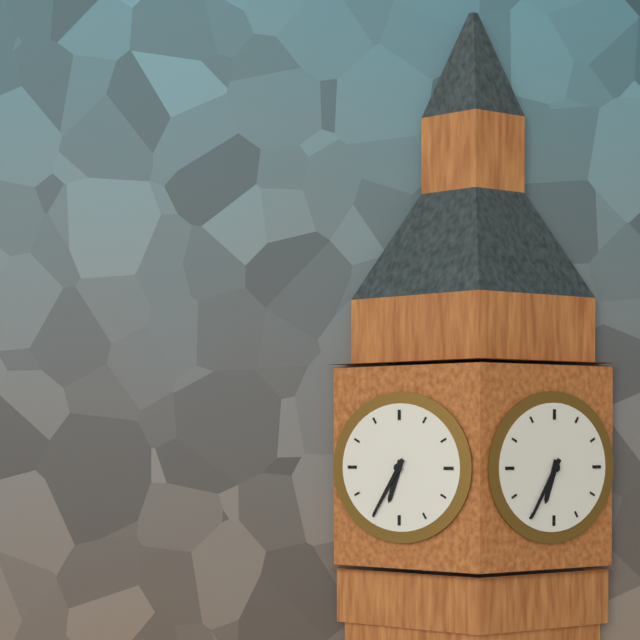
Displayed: 6 h 35 min
